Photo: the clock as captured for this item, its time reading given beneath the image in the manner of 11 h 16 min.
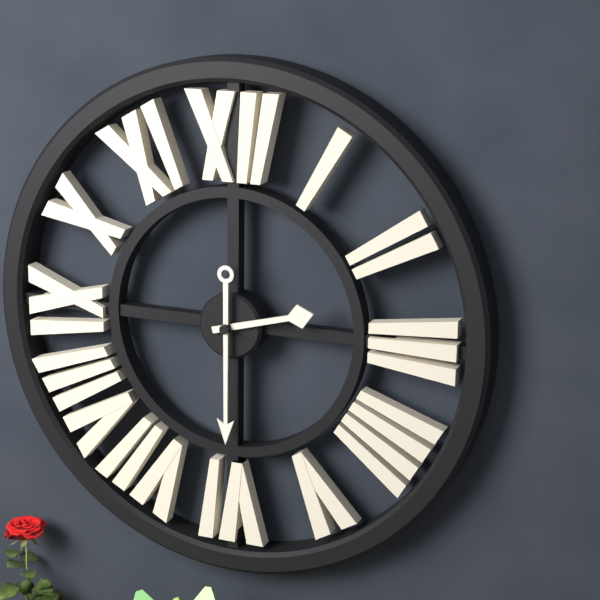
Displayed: 2 h 30 min
